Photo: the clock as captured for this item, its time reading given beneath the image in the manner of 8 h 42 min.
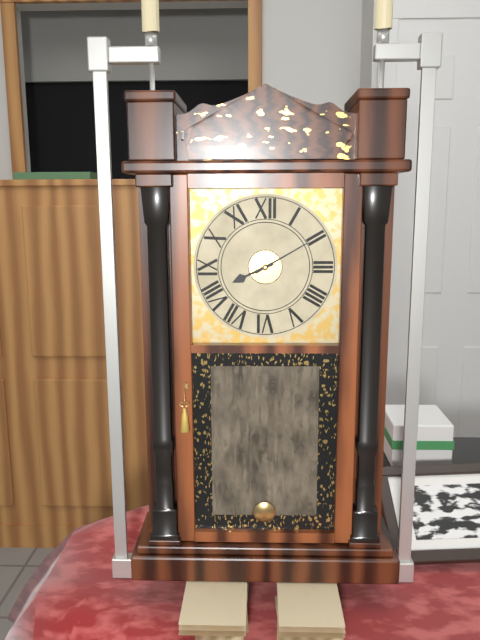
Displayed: 8 h 10 min
